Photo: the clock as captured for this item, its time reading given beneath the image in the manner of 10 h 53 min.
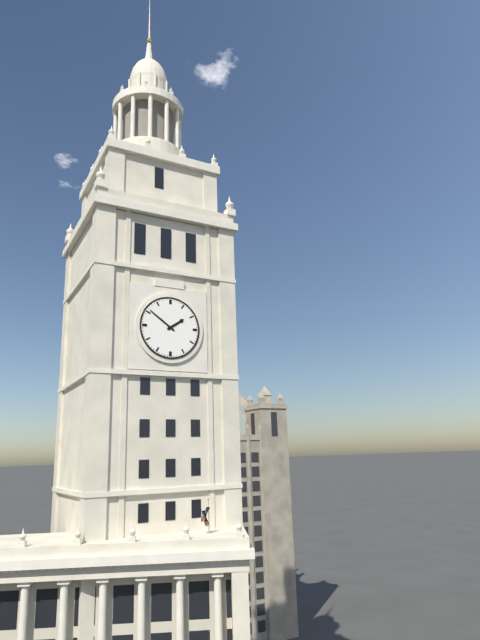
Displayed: 1 h 51 min
